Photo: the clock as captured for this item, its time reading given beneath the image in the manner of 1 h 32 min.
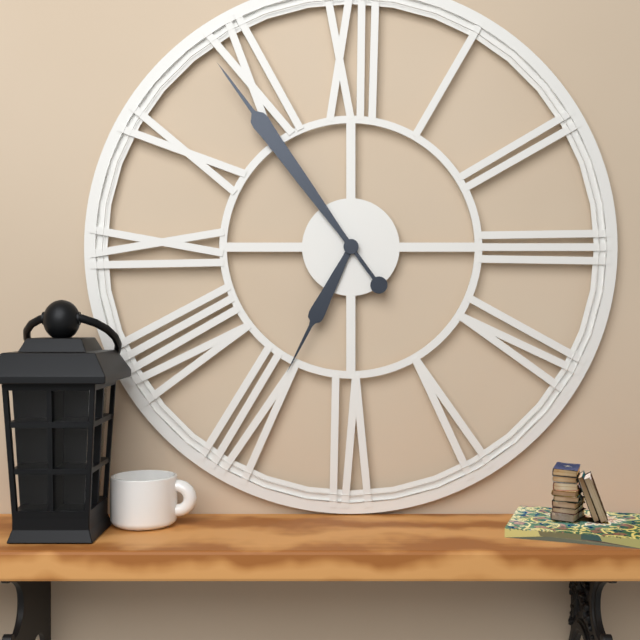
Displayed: 6 h 54 min
